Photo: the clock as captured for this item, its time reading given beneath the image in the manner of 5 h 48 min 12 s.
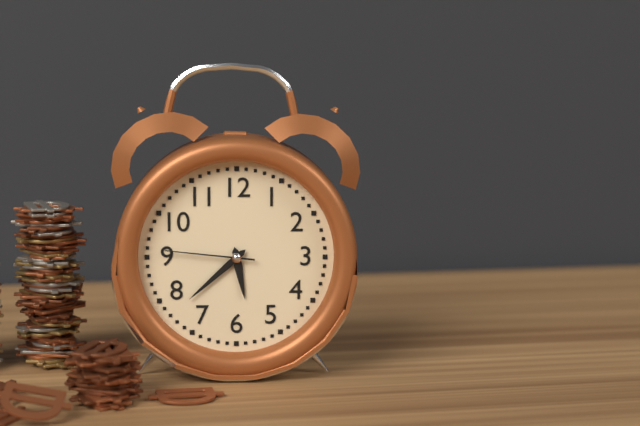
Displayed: 5 h 38 min 46 s
